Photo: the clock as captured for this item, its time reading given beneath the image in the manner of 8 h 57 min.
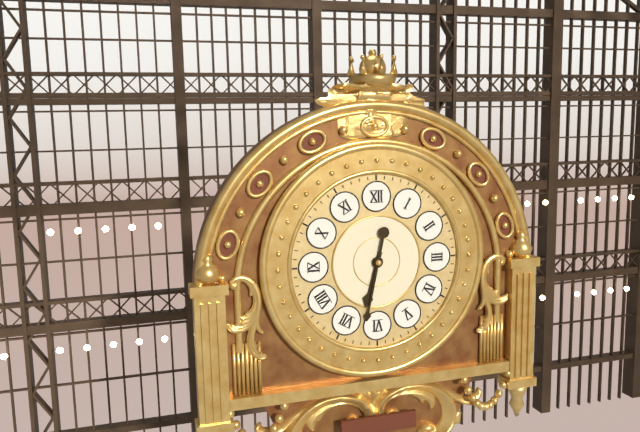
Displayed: 6 h 32 min
